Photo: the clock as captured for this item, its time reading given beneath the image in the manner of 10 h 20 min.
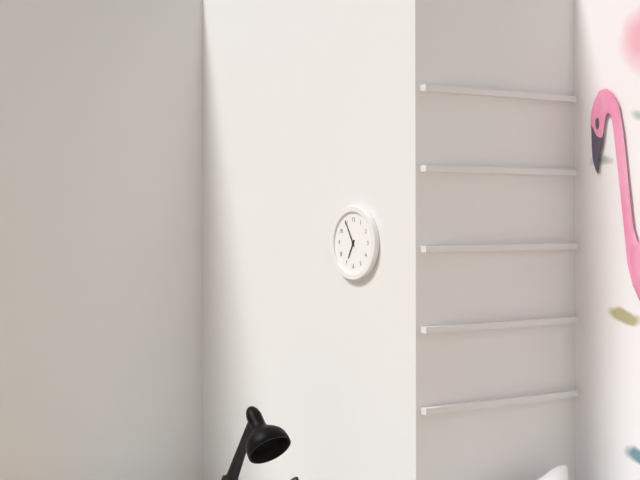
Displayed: 6 h 55 min
